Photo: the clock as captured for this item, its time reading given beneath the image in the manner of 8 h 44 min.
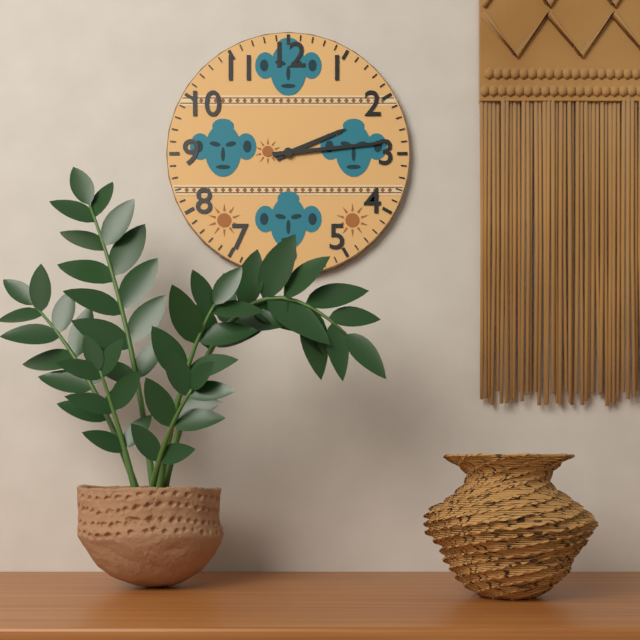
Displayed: 2 h 14 min
